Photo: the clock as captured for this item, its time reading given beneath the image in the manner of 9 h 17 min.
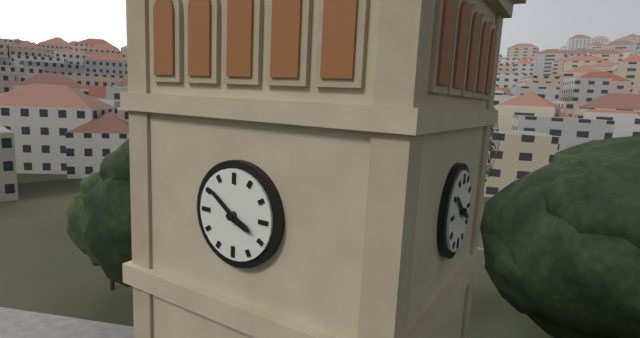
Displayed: 3 h 51 min
